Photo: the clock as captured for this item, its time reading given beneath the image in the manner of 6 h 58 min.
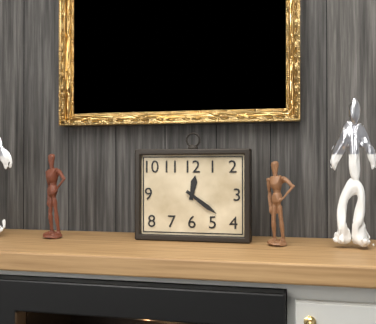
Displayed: 12 h 21 min
